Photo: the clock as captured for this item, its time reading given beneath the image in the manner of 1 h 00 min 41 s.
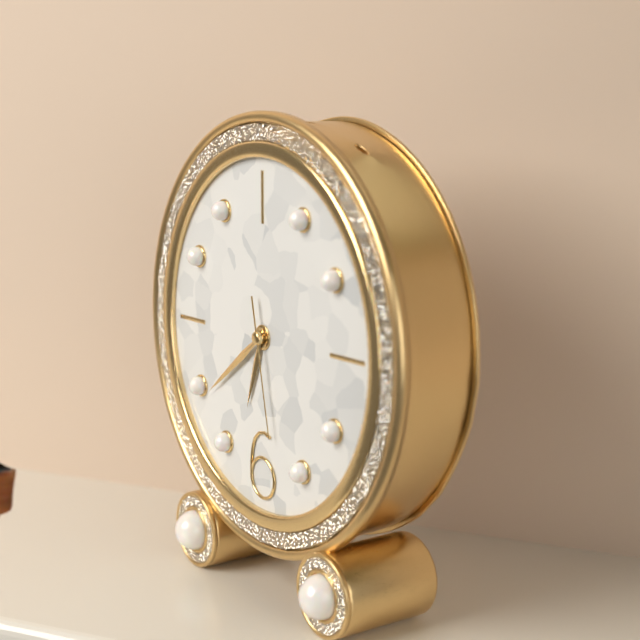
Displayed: 6 h 39 min 28 s
